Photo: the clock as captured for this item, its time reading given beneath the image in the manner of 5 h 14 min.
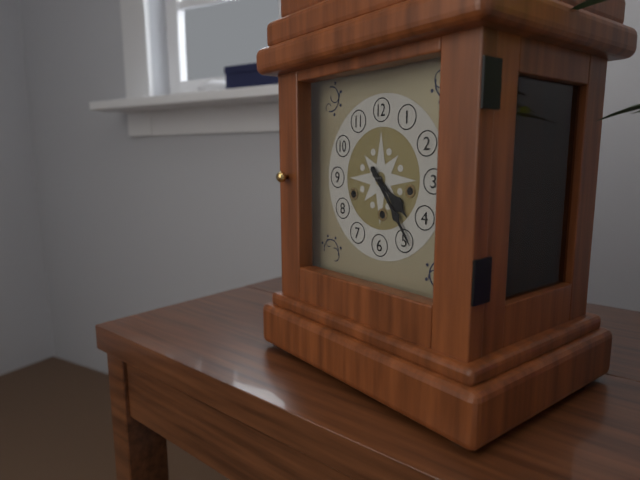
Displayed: 4 h 24 min
